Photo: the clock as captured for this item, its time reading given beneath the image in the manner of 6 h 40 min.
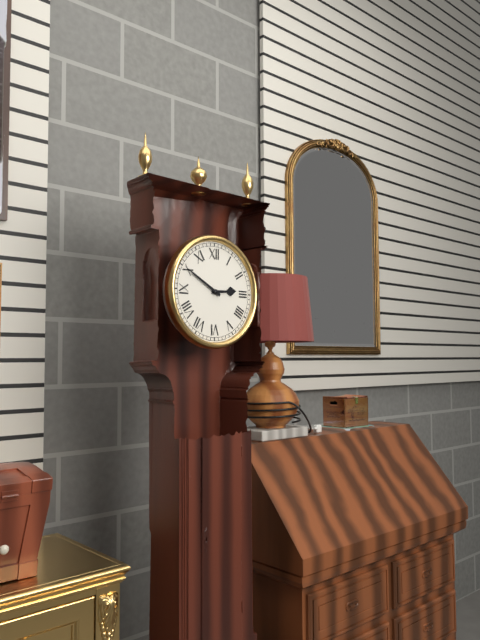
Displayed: 2 h 50 min
